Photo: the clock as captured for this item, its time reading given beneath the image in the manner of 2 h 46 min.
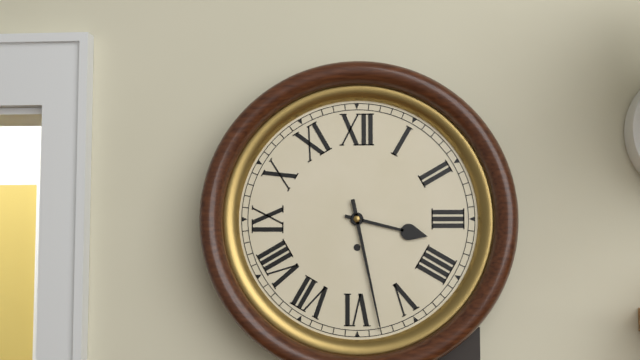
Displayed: 3 h 28 min
